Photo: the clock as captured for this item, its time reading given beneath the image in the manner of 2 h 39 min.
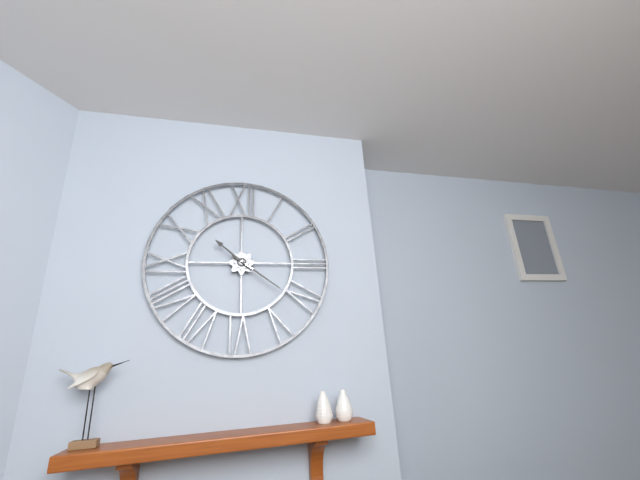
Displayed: 10 h 21 min
